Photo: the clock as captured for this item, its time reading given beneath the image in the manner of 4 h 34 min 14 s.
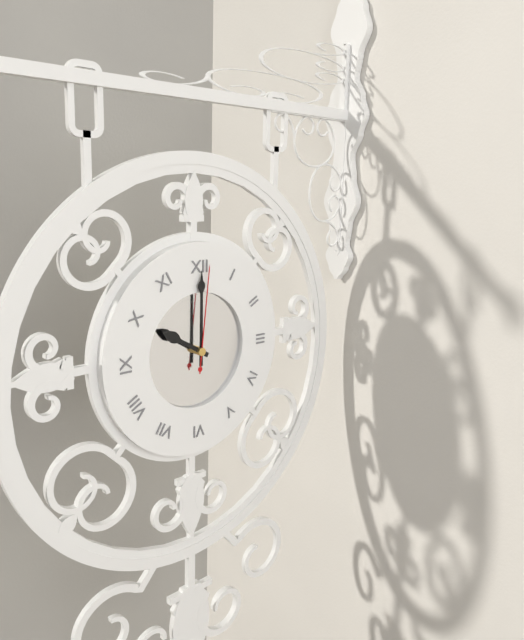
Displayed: 10 h 00 min 01 s
